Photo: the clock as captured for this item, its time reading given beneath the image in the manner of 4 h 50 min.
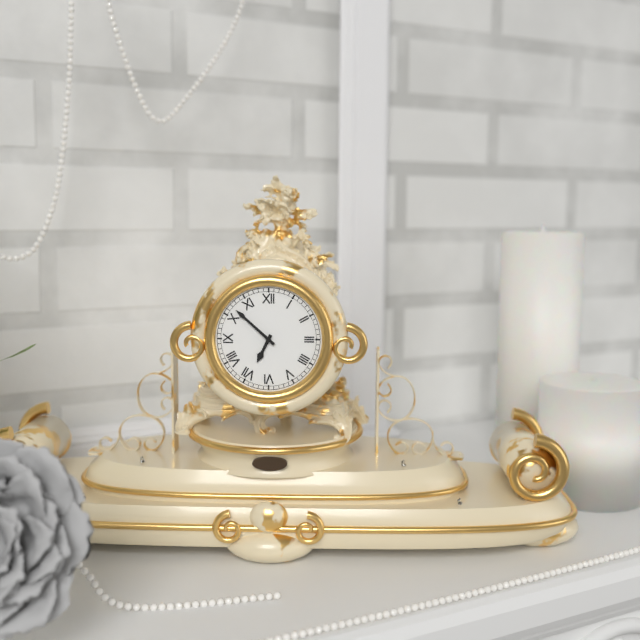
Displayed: 6 h 52 min
